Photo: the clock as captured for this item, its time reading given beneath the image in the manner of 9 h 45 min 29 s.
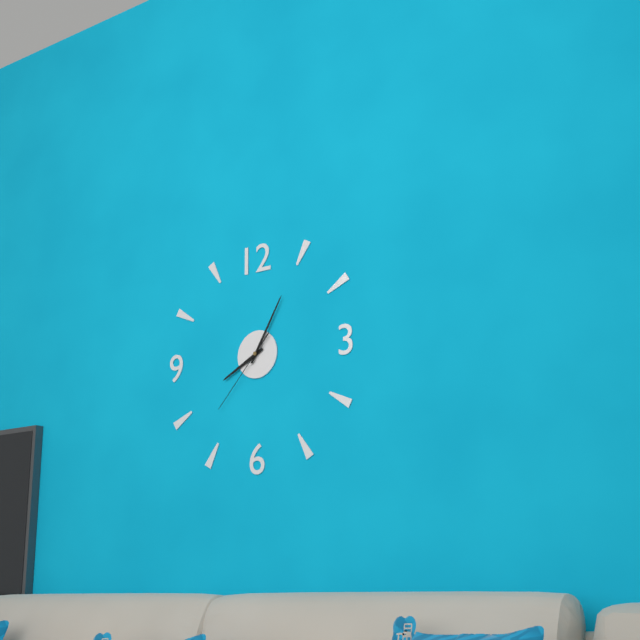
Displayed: 8 h 05 min 37 s
